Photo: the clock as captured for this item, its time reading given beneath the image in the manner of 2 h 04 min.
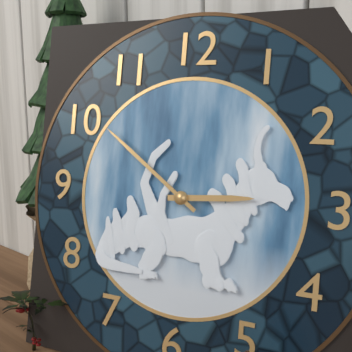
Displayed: 2 h 51 min
